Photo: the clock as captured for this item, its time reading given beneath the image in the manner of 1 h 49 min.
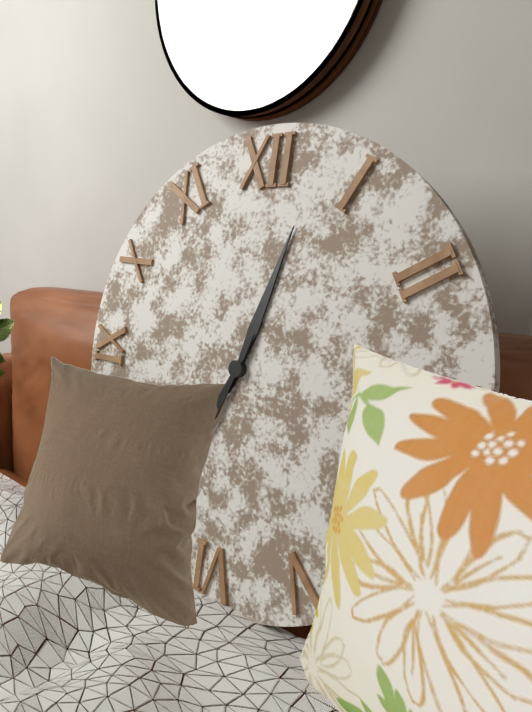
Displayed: 12 h 34 min
